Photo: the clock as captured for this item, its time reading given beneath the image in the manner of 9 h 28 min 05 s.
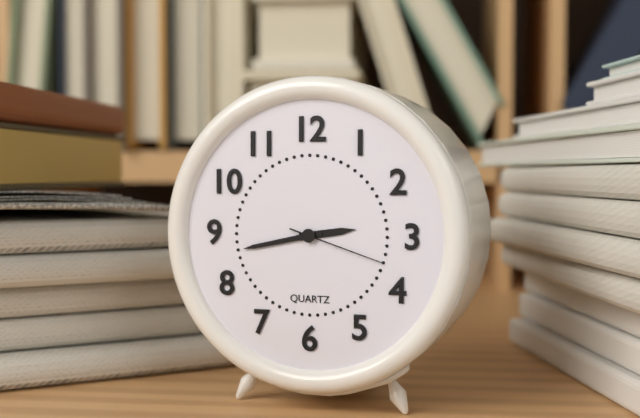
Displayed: 2 h 43 min 18 s
